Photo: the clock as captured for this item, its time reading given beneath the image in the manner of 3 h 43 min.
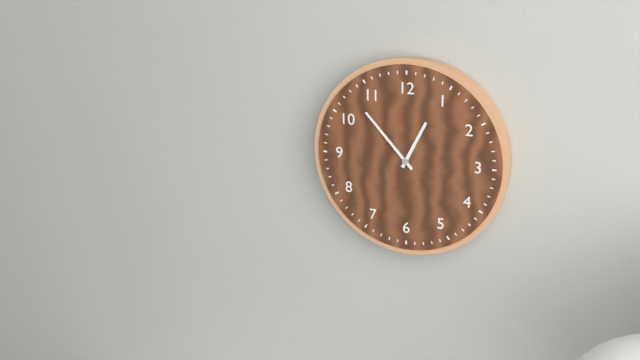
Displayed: 12 h 53 min
